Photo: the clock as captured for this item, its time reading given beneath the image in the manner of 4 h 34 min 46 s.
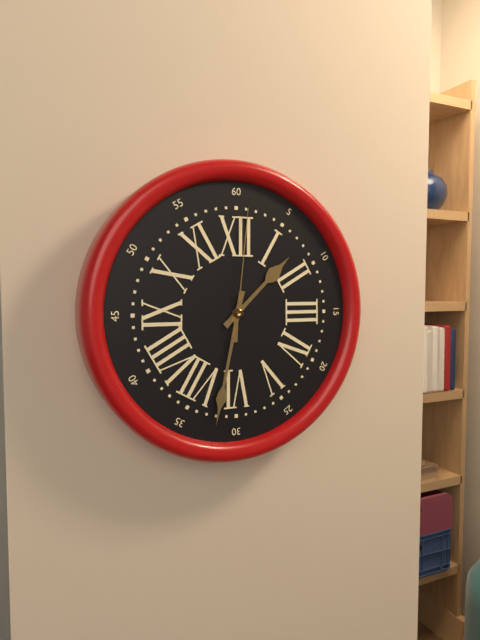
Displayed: 1 h 32 min 01 s
